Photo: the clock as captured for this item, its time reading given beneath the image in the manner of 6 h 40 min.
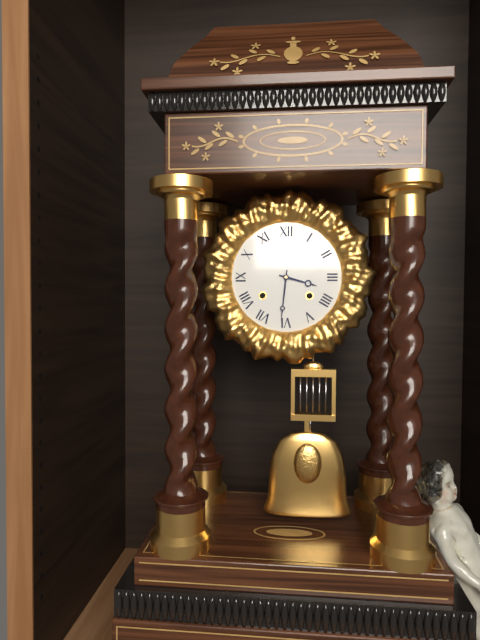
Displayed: 3 h 31 min
